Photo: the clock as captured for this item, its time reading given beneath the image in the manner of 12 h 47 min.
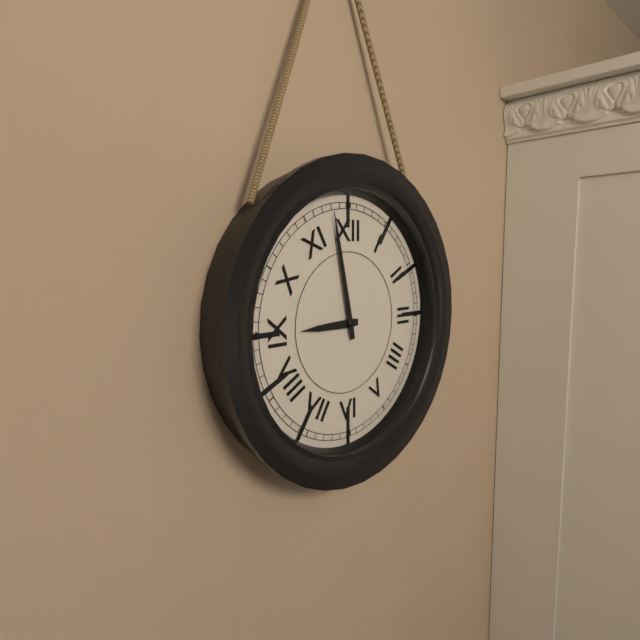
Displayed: 8 h 58 min
